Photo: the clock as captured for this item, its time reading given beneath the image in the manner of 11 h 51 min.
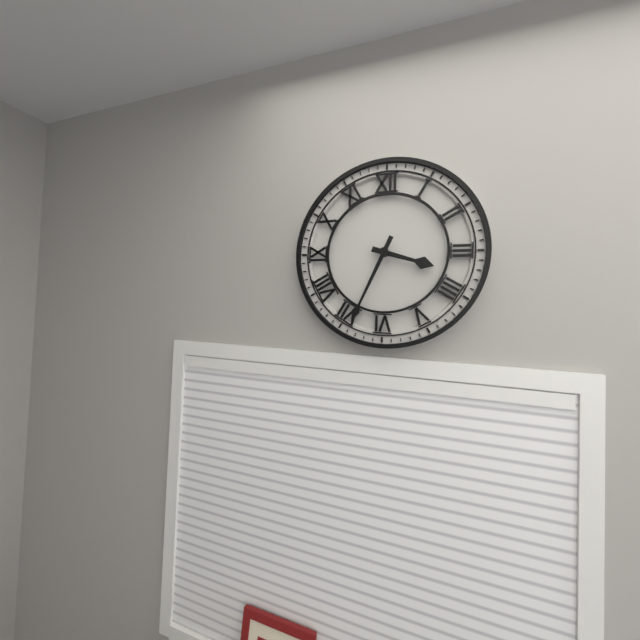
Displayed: 3 h 34 min
